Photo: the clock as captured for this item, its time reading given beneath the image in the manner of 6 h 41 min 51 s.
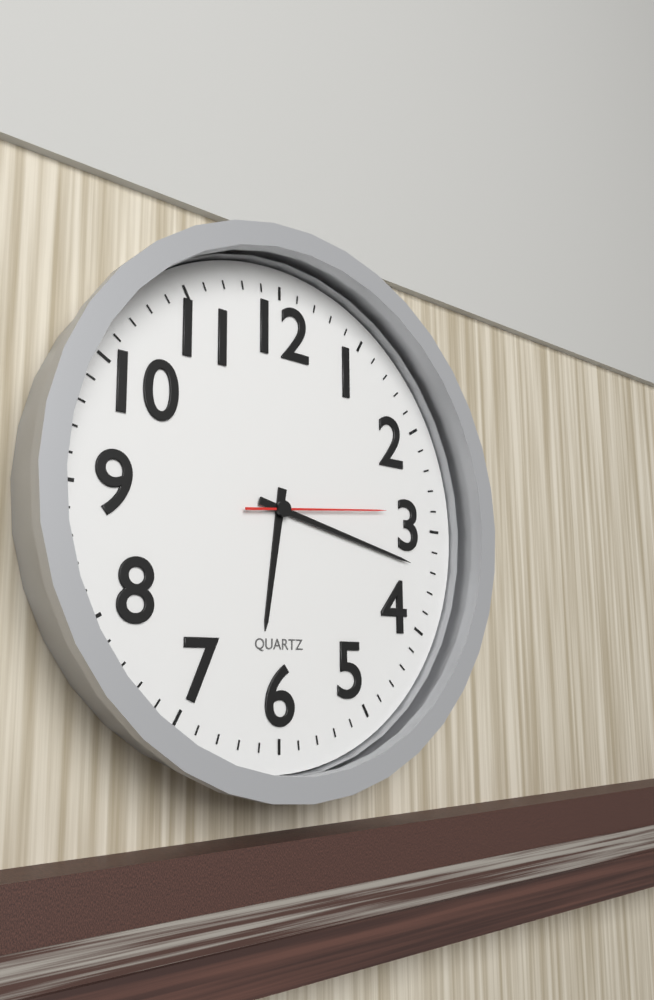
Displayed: 6 h 17 min 14 s
